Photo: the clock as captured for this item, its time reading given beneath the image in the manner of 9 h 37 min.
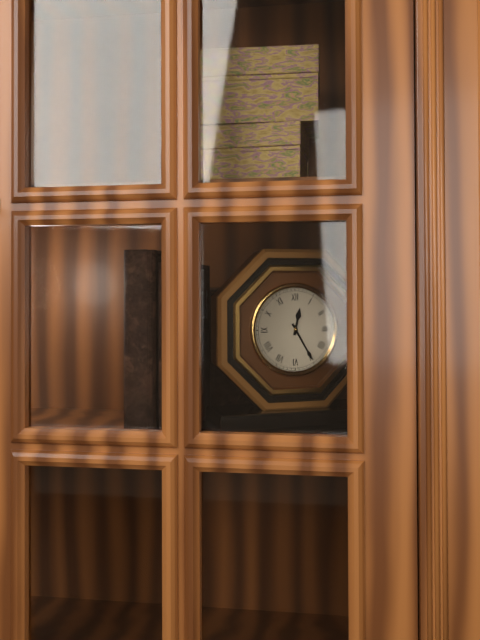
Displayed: 12 h 25 min
